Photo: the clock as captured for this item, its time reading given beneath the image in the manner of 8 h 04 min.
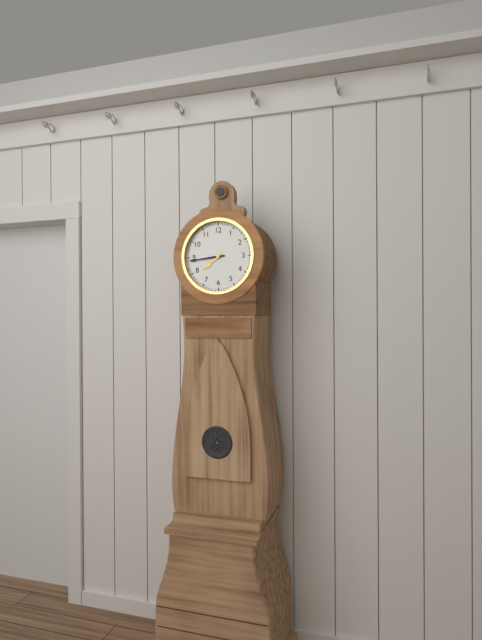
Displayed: 7 h 44 min
